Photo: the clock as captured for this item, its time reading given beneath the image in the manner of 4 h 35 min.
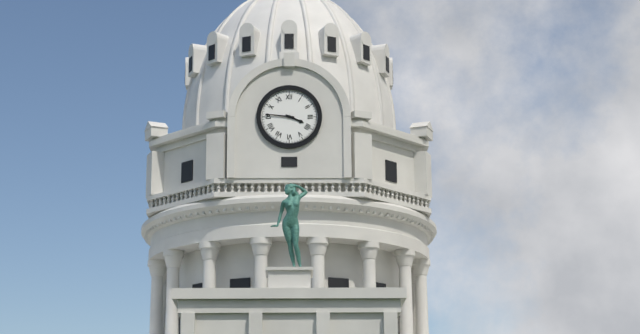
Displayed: 3 h 46 min
